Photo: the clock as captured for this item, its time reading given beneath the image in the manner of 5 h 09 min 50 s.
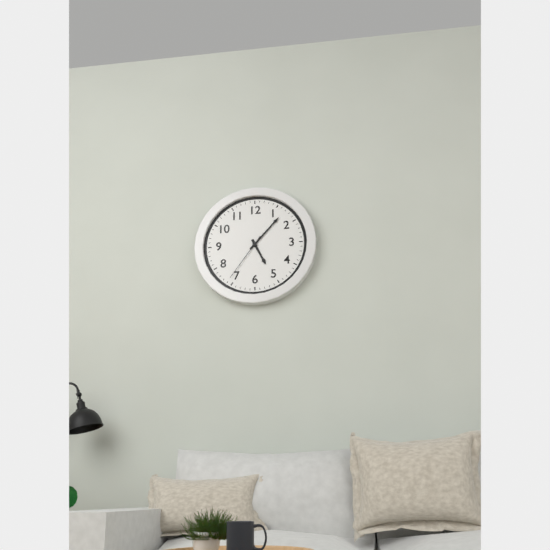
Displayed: 5 h 07 min 36 s
